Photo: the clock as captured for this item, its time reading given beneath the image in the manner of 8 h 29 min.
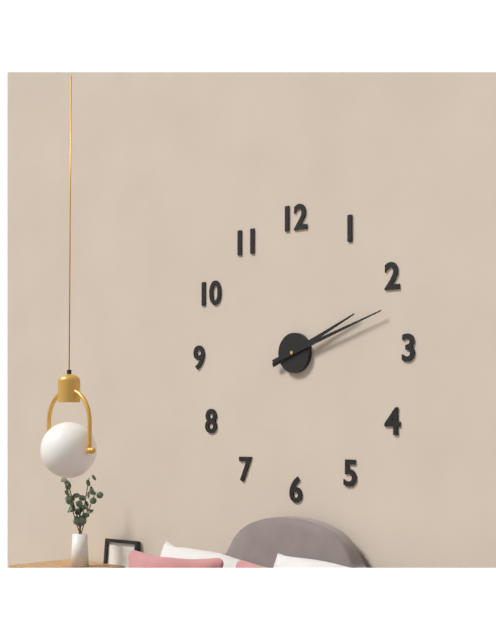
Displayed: 2 h 12 min
